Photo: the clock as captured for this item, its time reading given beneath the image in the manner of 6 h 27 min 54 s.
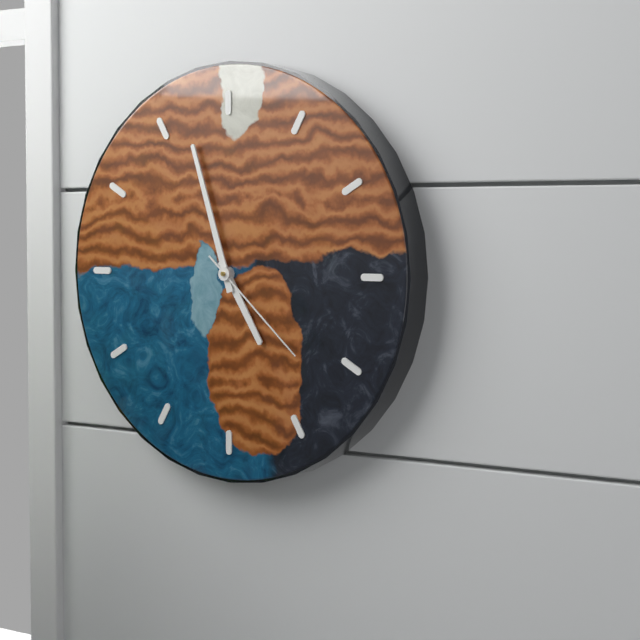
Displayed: 4 h 57 min 22 s
